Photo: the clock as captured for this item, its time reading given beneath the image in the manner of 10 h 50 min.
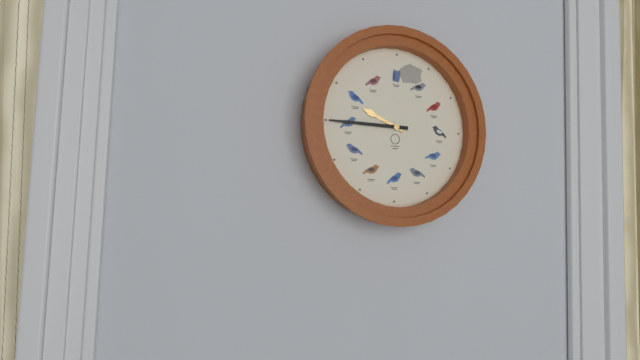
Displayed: 9 h 45 min
